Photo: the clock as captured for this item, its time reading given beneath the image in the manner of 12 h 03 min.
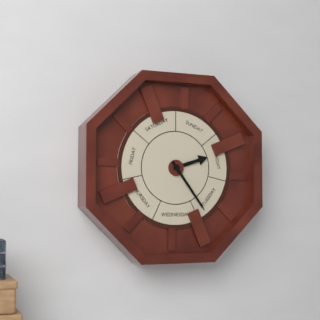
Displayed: 2 h 24 min
